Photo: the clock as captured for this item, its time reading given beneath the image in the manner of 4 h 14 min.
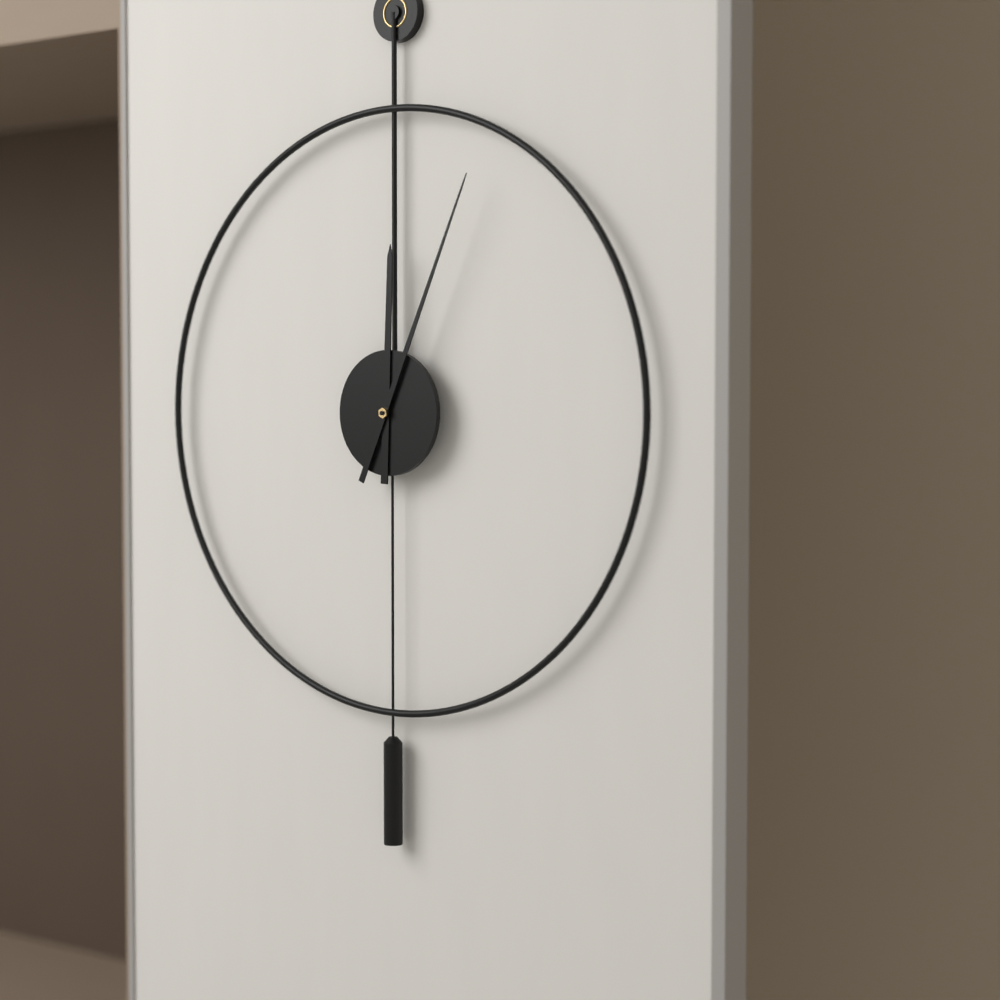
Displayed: 12 h 04 min
